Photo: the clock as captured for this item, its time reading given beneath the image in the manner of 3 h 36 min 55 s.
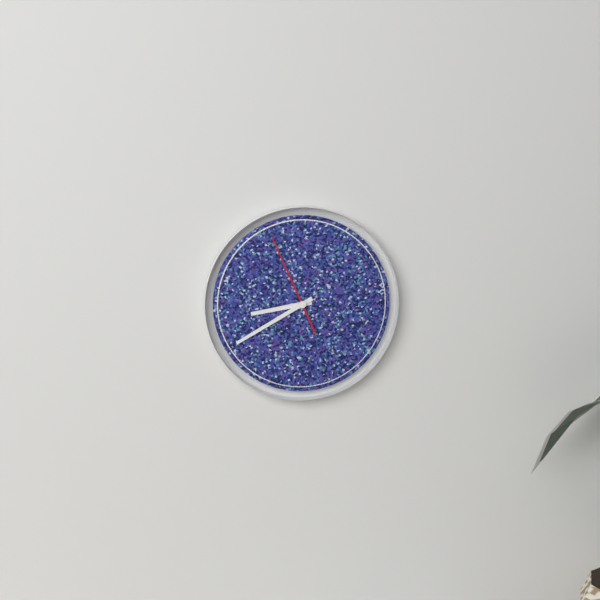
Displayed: 8 h 40 min 56 s
